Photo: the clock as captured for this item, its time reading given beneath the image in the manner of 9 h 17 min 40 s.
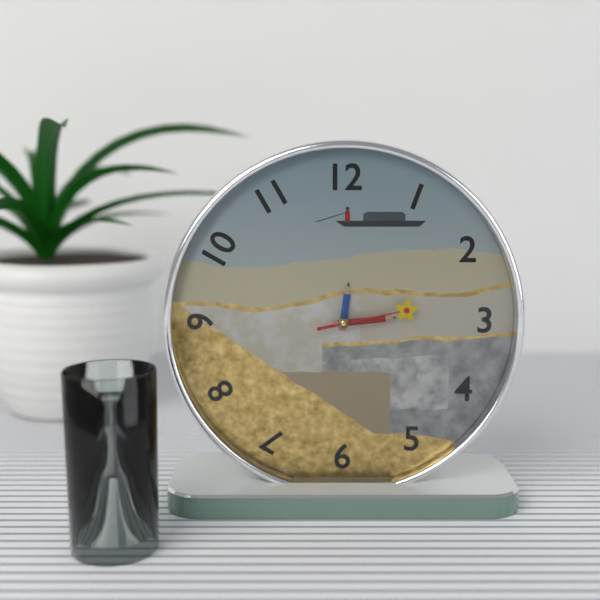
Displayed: 12 h 14 min 13 s
